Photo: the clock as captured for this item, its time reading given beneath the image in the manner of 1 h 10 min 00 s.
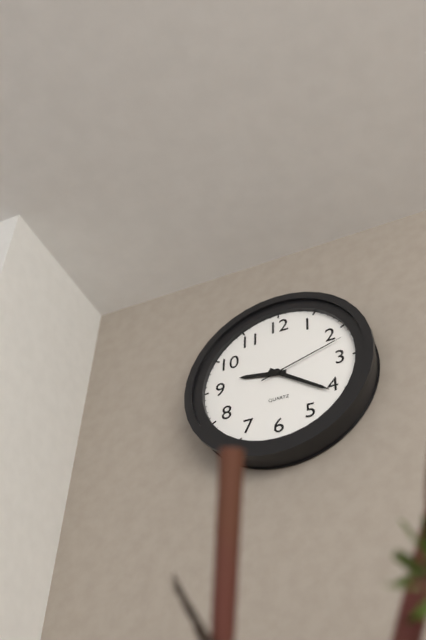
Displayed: 9 h 21 min 12 s
